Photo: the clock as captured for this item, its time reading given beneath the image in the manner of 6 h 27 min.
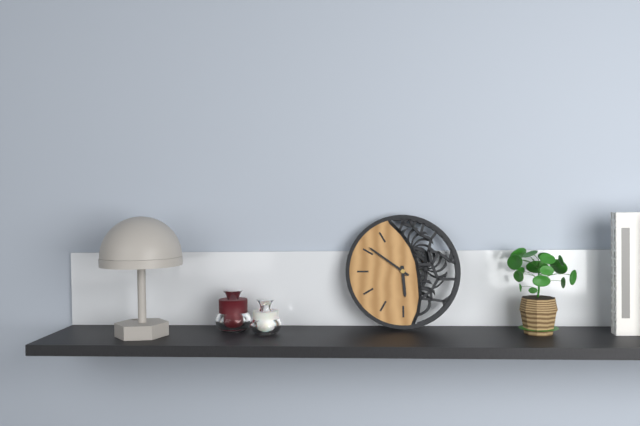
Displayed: 5 h 51 min
